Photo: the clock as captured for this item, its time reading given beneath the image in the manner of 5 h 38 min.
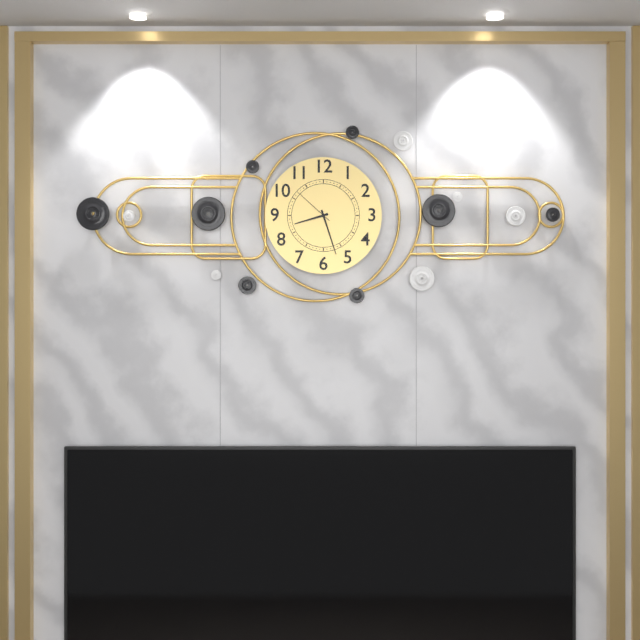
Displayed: 8 h 27 min
